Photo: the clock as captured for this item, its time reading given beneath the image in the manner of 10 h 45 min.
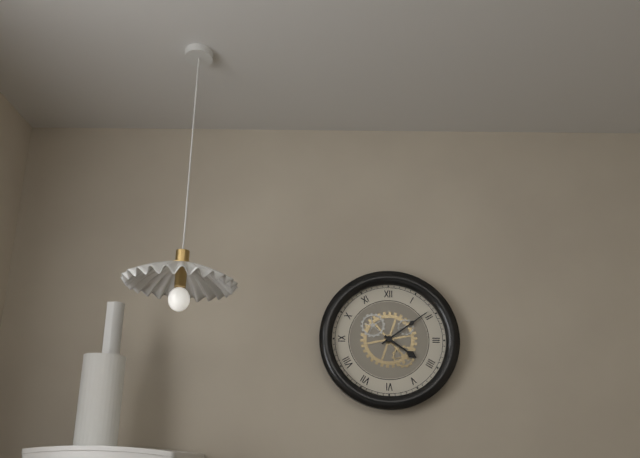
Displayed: 4 h 09 min
